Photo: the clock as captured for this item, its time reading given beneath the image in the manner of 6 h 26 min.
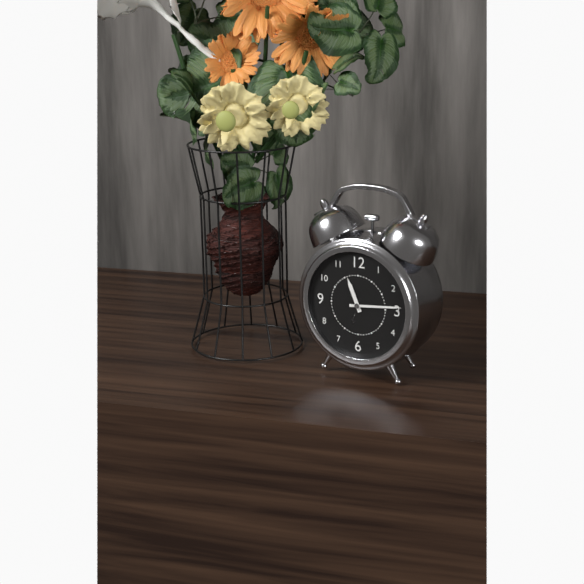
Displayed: 11 h 14 min
